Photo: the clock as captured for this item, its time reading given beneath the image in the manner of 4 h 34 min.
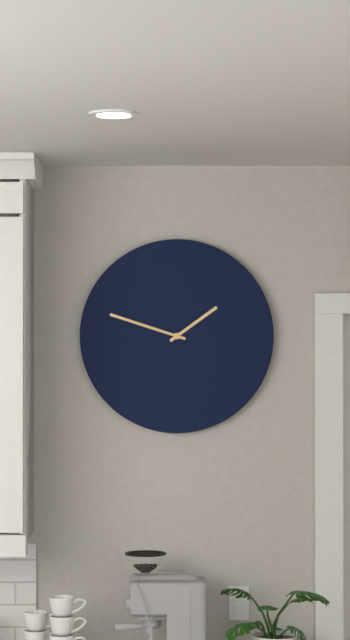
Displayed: 1 h 48 min
